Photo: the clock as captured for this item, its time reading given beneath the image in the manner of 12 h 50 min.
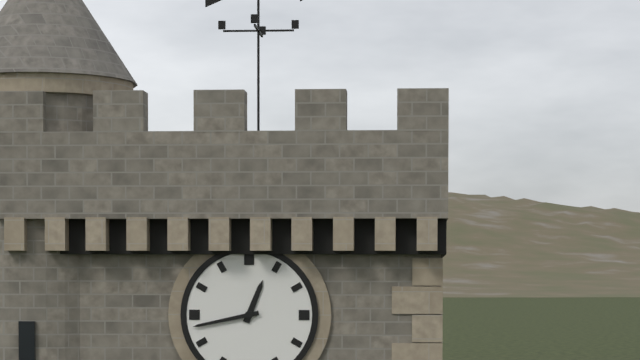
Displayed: 12 h 43 min
